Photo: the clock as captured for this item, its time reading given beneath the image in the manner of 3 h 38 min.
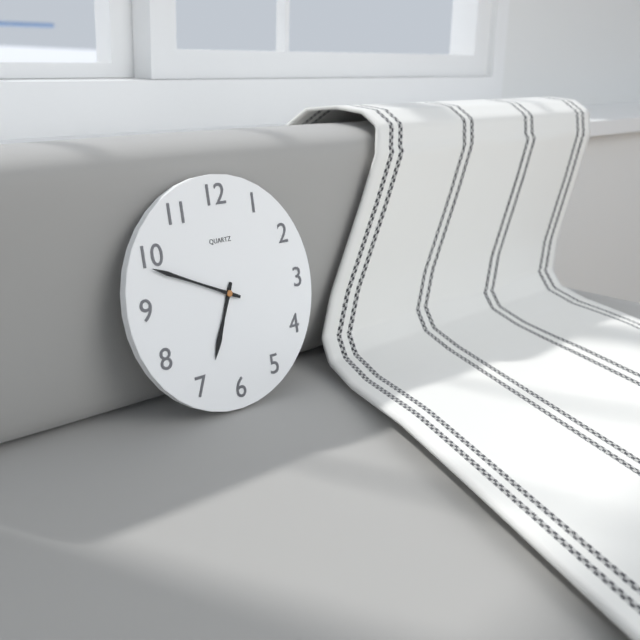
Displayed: 6 h 49 min
